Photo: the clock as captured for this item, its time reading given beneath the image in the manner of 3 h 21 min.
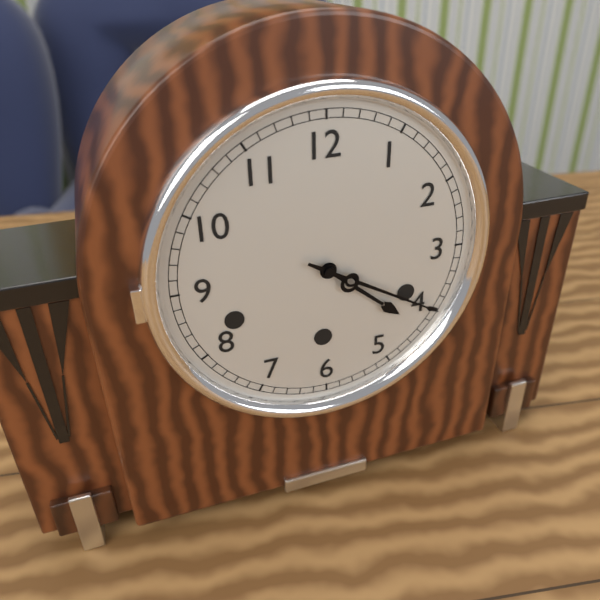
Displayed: 4 h 20 min
